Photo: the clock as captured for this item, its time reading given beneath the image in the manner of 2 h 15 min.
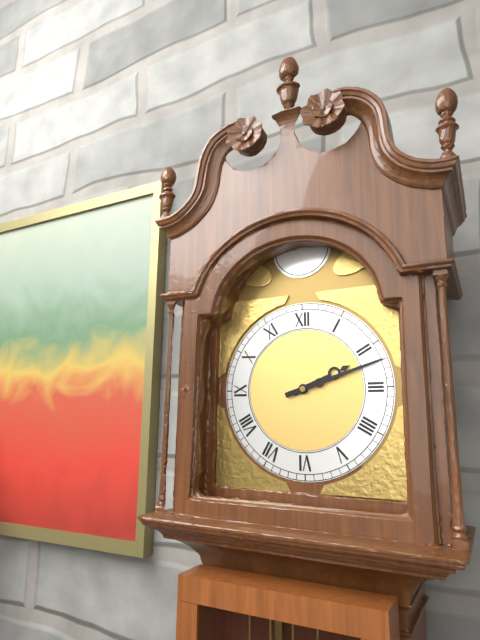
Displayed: 2 h 12 min
